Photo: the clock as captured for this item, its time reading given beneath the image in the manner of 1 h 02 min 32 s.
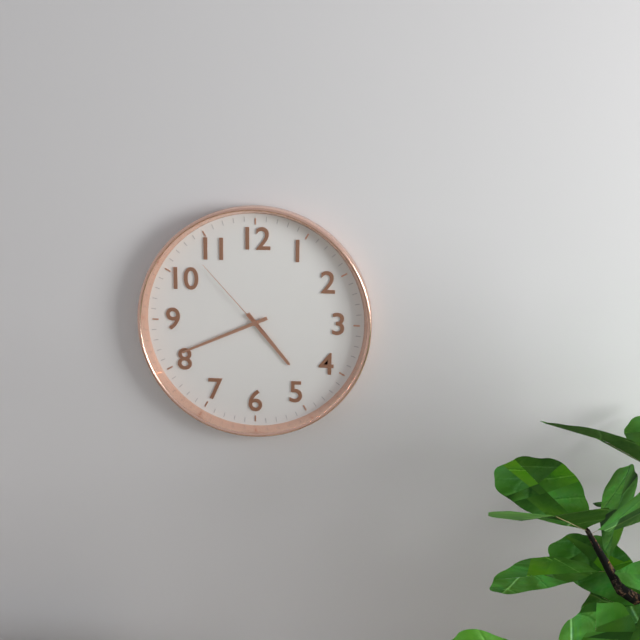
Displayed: 4 h 41 min 53 s
